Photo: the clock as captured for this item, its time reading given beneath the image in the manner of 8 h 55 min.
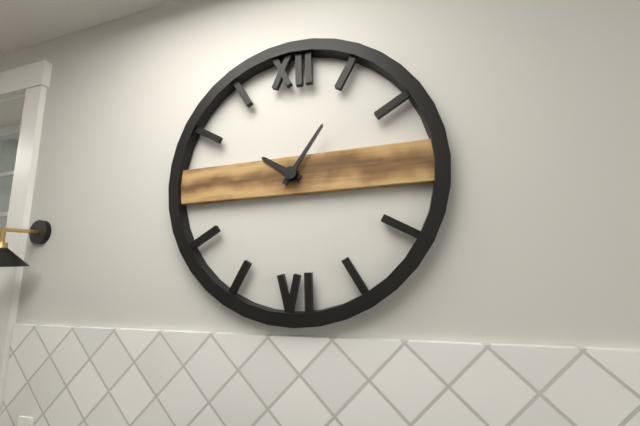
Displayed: 10 h 06 min
